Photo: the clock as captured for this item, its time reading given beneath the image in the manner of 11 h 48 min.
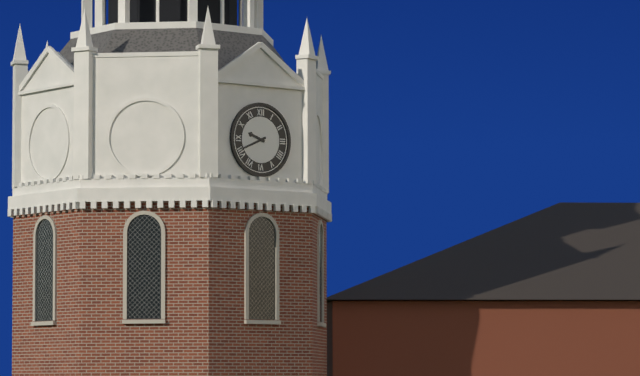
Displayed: 9 h 41 min
